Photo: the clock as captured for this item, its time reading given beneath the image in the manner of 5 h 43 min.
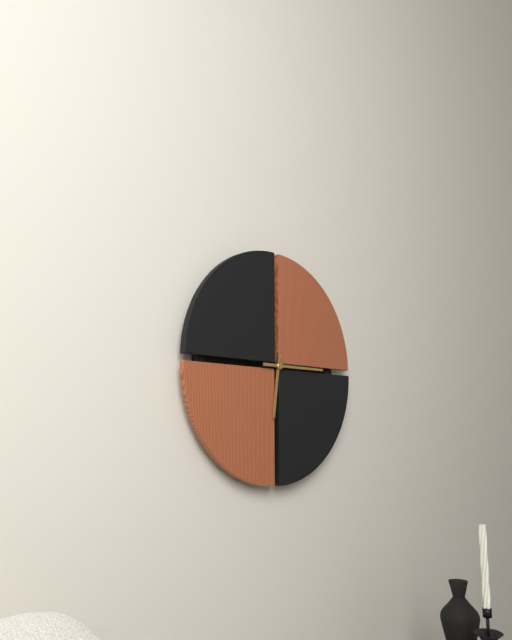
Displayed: 6 h 15 min
